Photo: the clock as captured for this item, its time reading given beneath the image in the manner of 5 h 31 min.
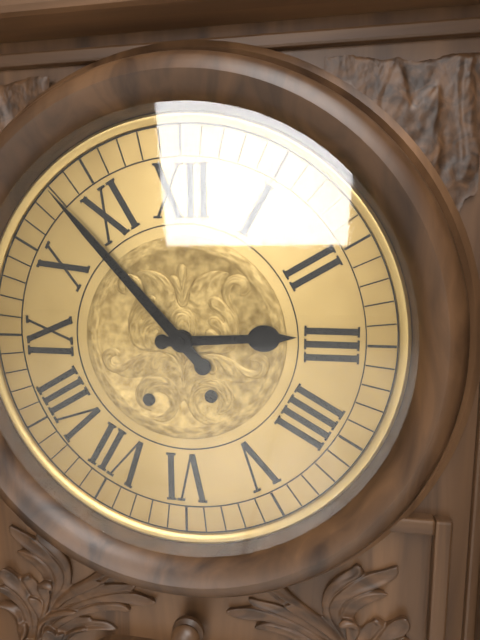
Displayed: 2 h 53 min
